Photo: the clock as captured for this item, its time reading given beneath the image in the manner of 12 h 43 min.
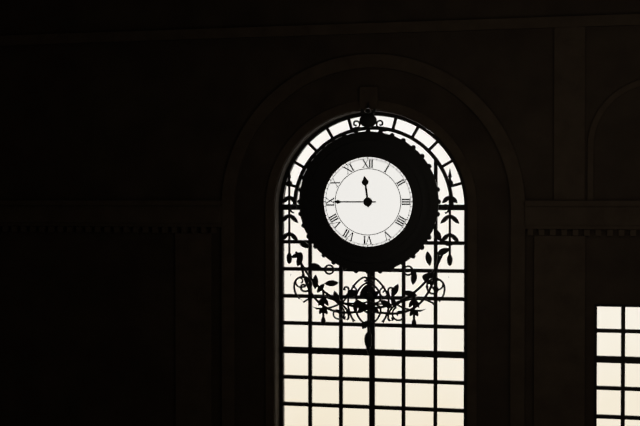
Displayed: 11 h 45 min
